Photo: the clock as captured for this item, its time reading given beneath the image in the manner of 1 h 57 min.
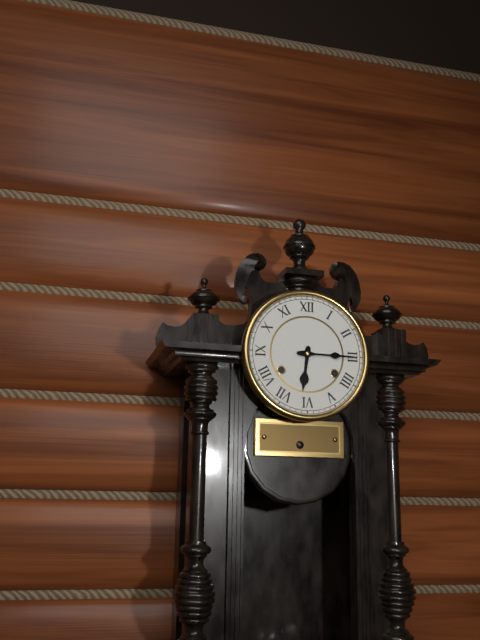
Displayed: 6 h 15 min
